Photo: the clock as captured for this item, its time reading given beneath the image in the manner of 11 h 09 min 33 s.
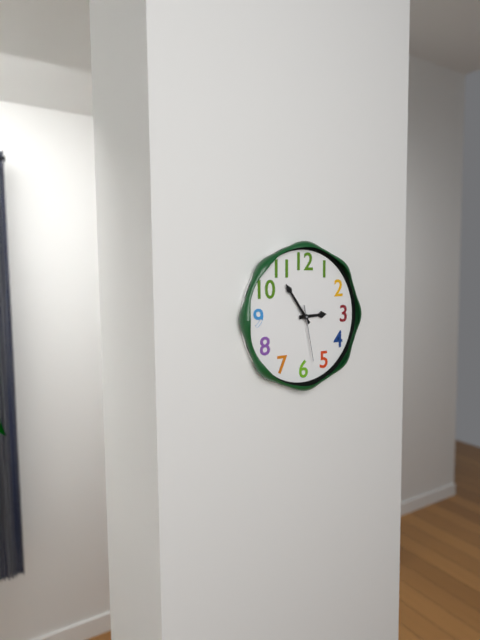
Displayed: 2 h 54 min 28 s
